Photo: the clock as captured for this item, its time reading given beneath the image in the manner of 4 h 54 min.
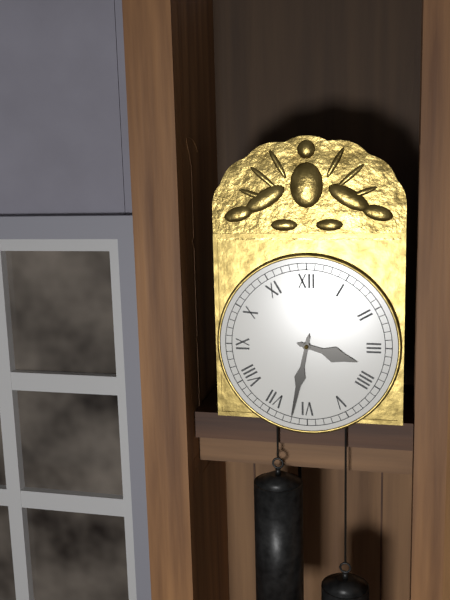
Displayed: 3 h 32 min
